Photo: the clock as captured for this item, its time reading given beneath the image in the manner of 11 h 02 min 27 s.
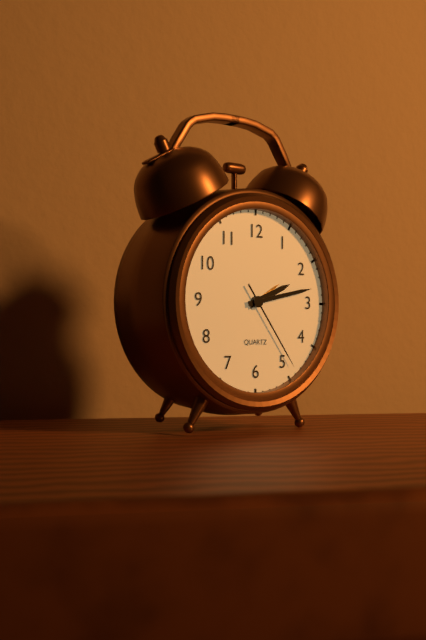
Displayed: 2 h 13 min 24 s
